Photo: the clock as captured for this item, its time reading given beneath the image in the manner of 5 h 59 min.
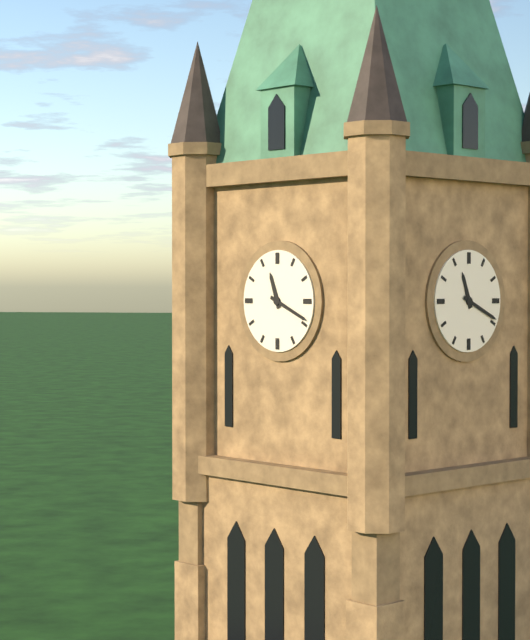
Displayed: 11 h 19 min
